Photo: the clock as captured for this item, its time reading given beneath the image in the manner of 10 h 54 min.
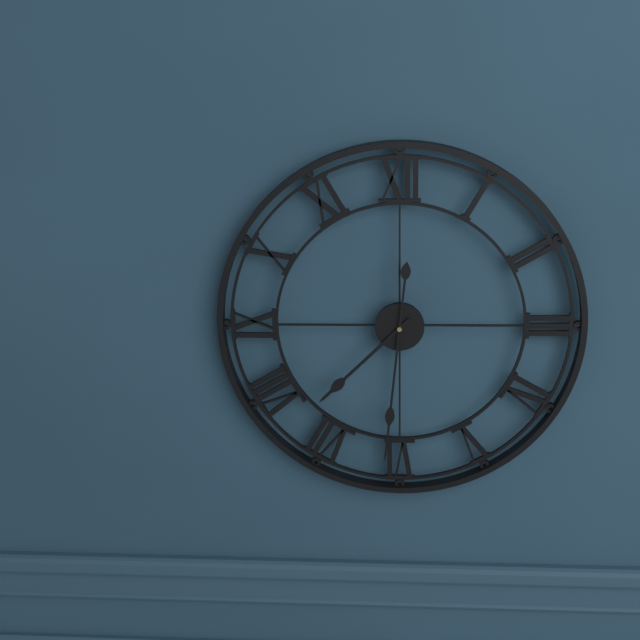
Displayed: 7 h 31 min
